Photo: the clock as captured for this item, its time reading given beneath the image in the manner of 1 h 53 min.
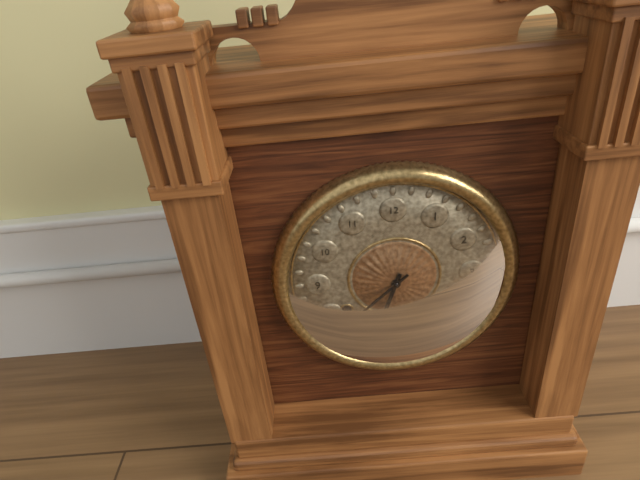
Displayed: 6 h 38 min
